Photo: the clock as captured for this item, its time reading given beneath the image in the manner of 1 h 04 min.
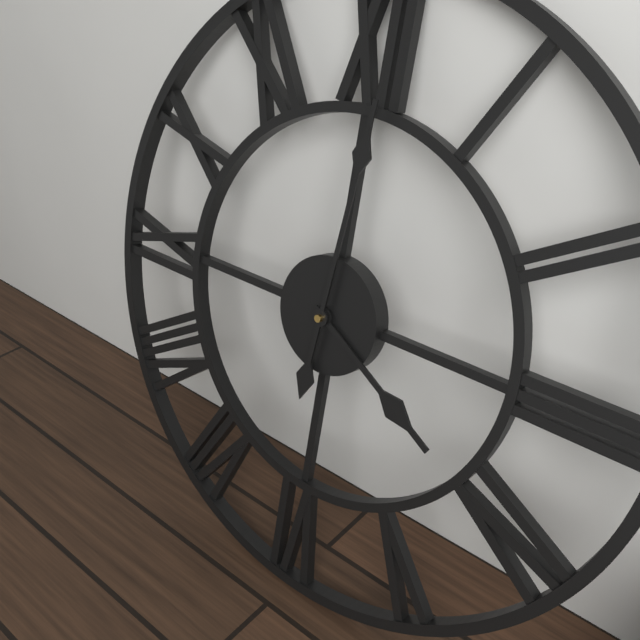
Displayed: 4 h 01 min
